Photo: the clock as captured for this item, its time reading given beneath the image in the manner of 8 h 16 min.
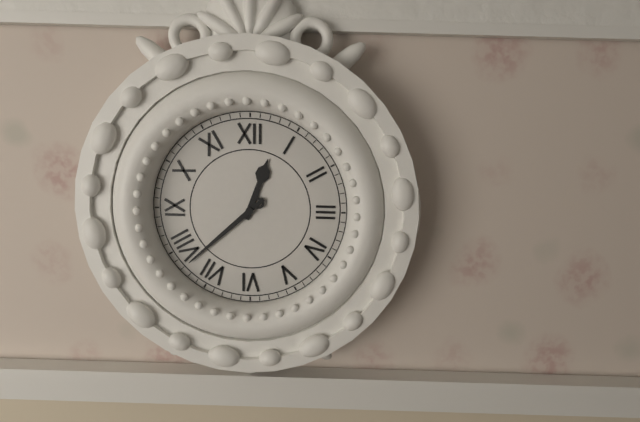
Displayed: 12 h 38 min
